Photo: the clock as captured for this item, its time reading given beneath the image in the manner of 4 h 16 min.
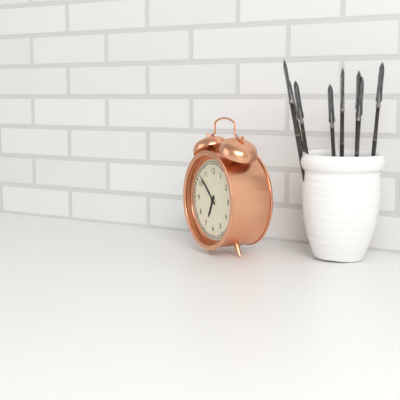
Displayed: 6 h 52 min
